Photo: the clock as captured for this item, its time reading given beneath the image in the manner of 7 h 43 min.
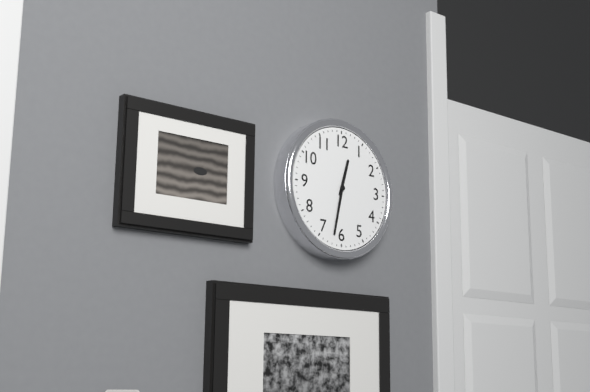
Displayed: 12 h 32 min
